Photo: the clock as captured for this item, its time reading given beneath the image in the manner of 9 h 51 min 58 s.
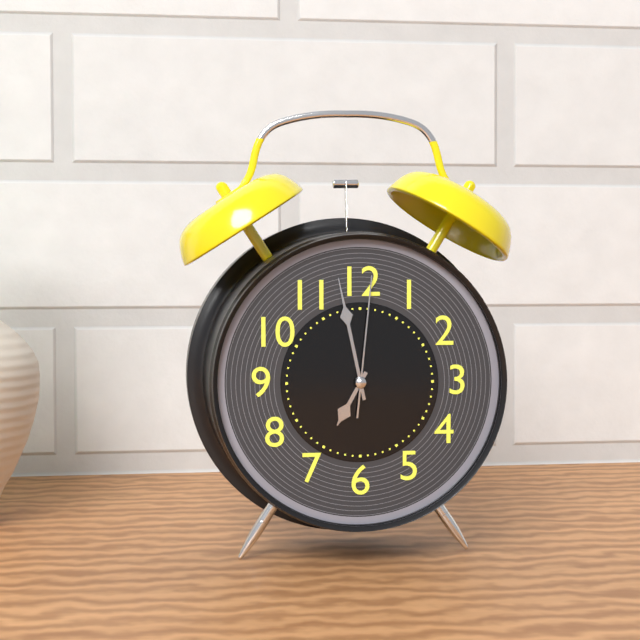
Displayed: 6 h 58 min 01 s
